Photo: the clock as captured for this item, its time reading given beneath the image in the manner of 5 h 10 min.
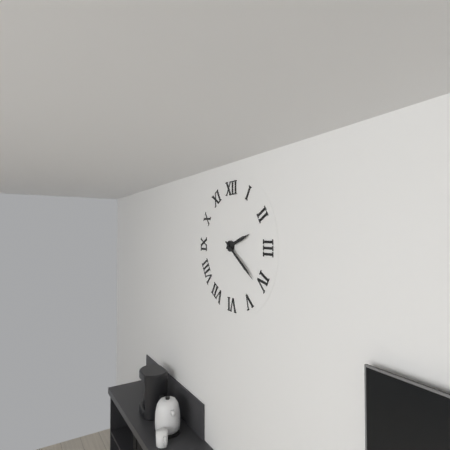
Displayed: 2 h 21 min
